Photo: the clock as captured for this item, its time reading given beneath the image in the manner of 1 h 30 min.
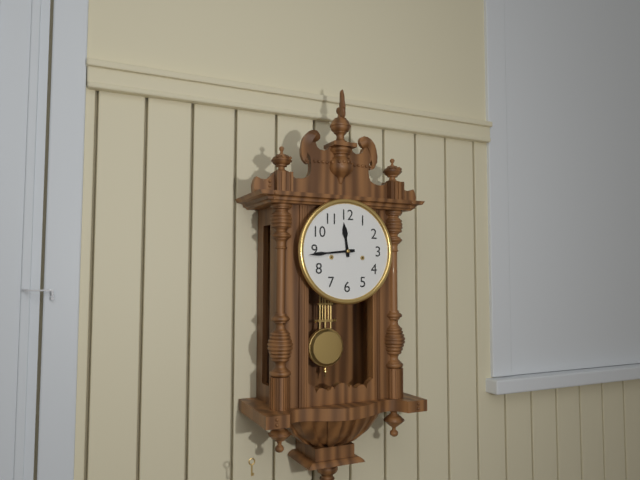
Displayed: 11 h 44 min
